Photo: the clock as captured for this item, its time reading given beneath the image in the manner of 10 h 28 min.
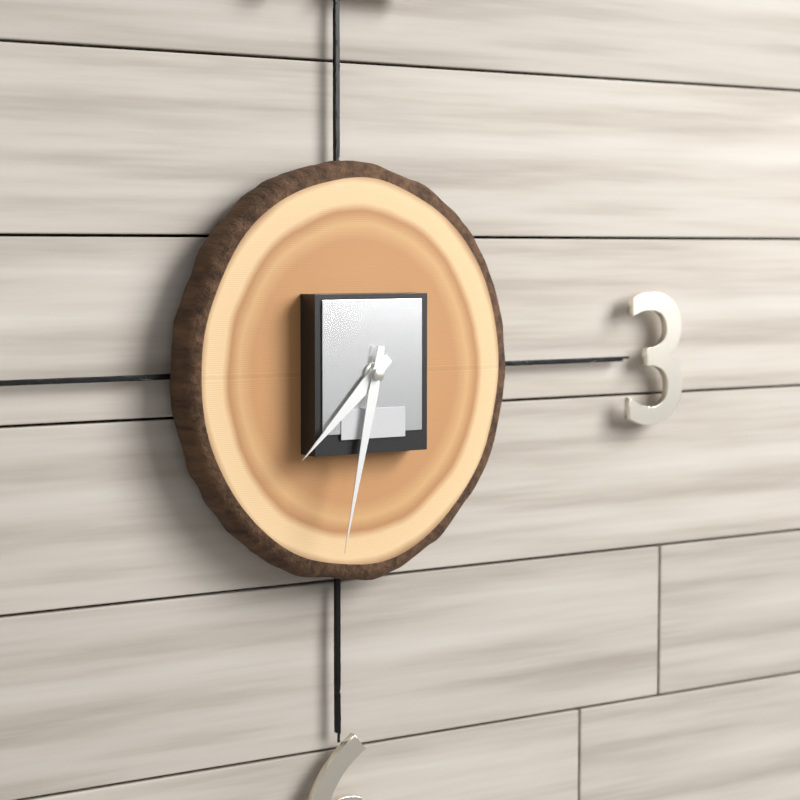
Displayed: 7 h 32 min
